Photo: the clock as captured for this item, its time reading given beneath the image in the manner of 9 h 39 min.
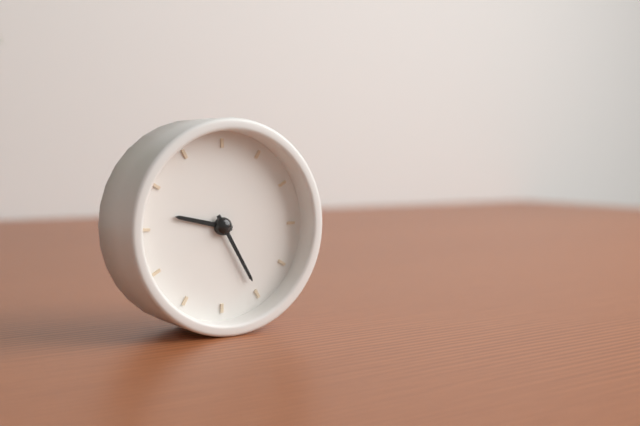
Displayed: 9 h 25 min
